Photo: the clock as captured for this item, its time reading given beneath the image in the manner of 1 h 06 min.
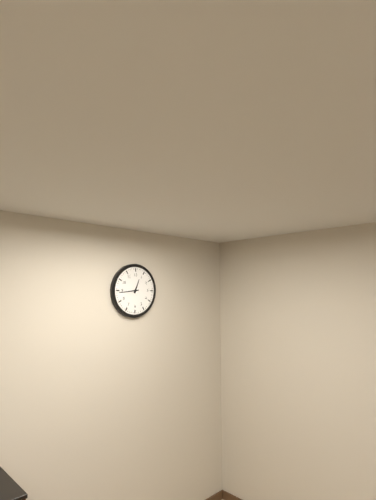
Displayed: 12 h 44 min
